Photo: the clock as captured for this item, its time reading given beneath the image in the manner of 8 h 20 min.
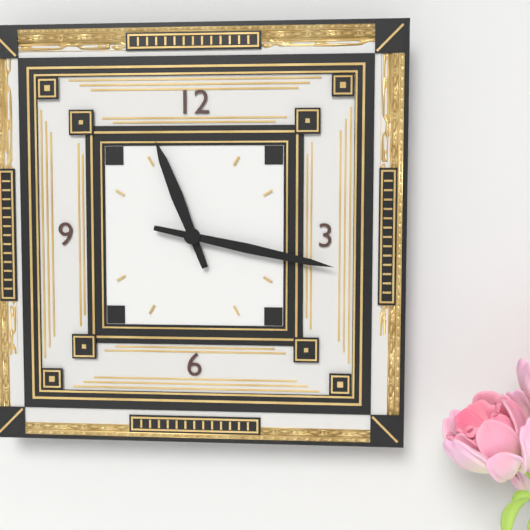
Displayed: 11 h 17 min
